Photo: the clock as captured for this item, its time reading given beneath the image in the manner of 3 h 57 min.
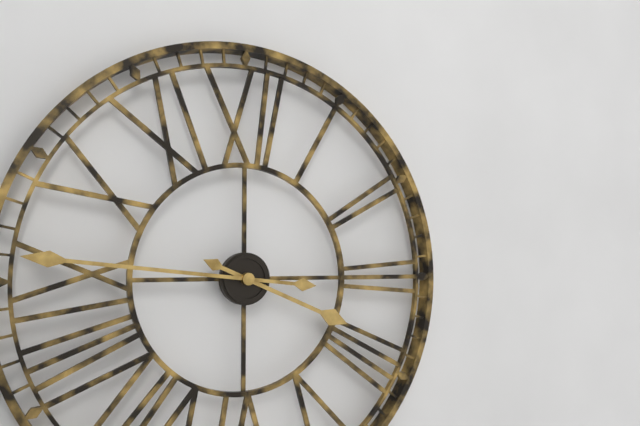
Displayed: 3 h 46 min
